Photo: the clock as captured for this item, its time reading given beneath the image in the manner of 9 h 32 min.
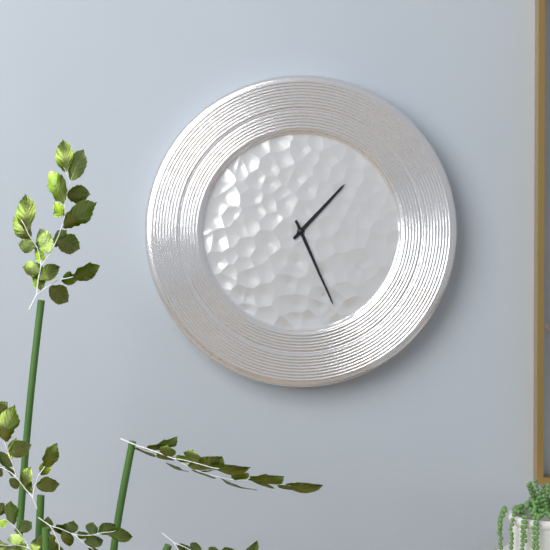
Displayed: 1 h 26 min
